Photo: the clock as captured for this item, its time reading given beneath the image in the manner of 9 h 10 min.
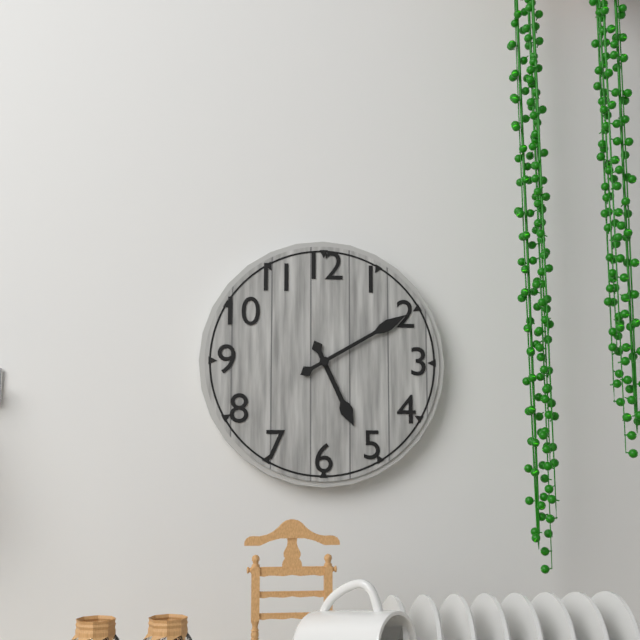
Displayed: 5 h 10 min
